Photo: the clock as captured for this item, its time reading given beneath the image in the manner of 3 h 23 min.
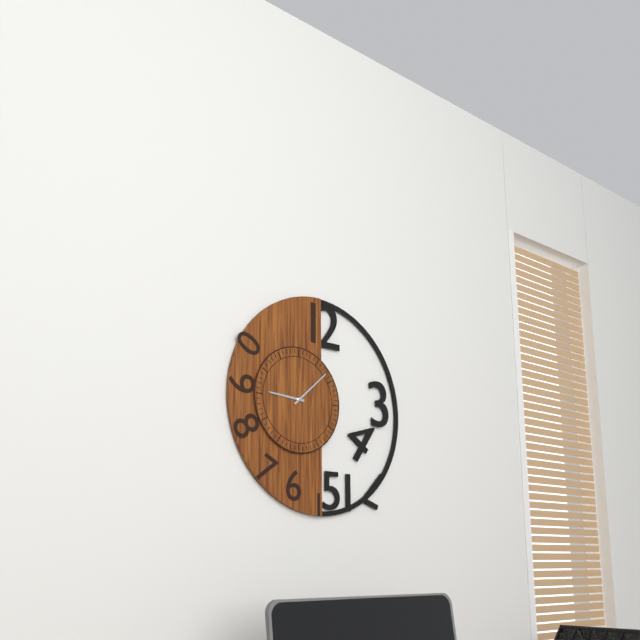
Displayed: 9 h 08 min
